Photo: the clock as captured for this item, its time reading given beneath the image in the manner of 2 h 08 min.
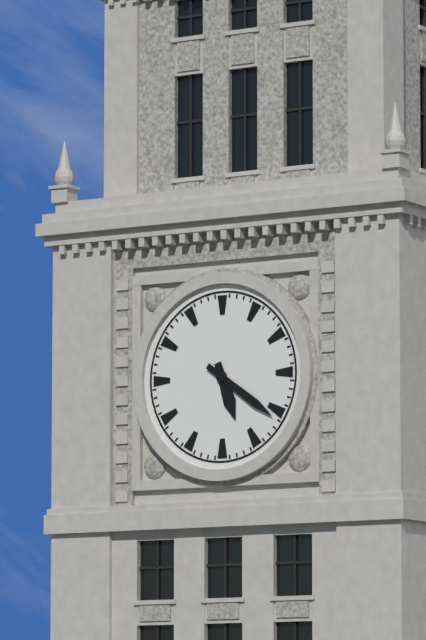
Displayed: 5 h 21 min
